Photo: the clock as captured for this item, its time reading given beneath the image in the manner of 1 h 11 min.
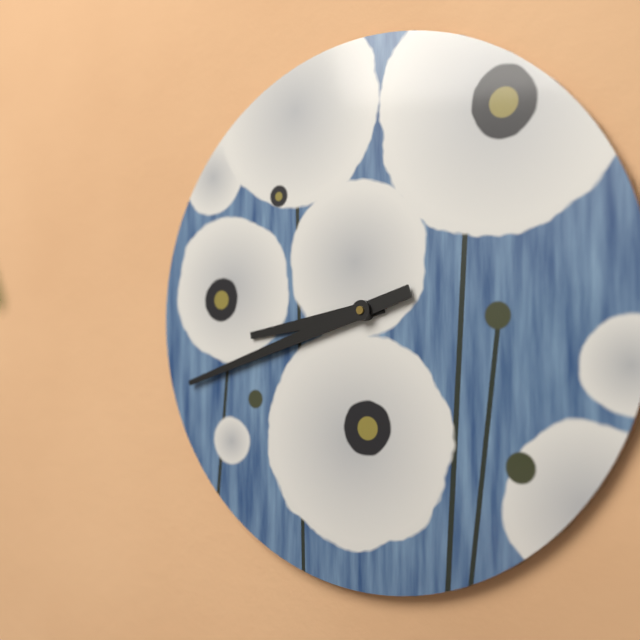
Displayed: 8 h 42 min
